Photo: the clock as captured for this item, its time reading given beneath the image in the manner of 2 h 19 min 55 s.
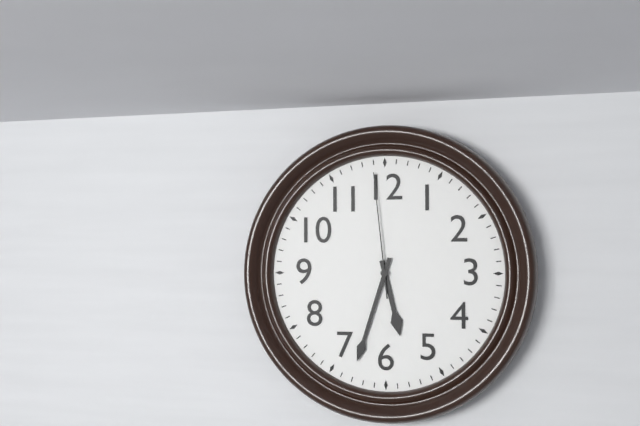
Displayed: 5 h 33 min 59 s
